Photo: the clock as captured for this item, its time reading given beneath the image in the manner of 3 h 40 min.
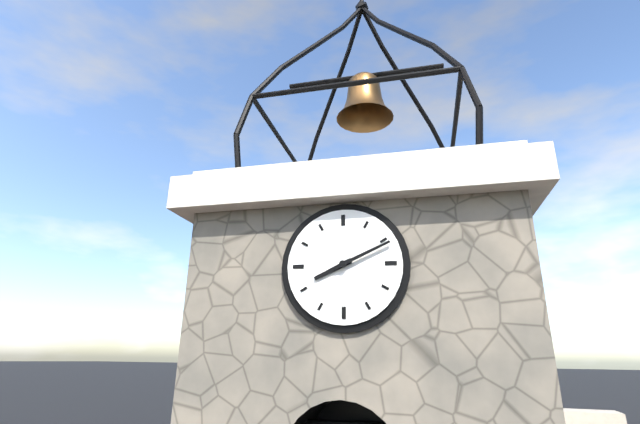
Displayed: 8 h 11 min
